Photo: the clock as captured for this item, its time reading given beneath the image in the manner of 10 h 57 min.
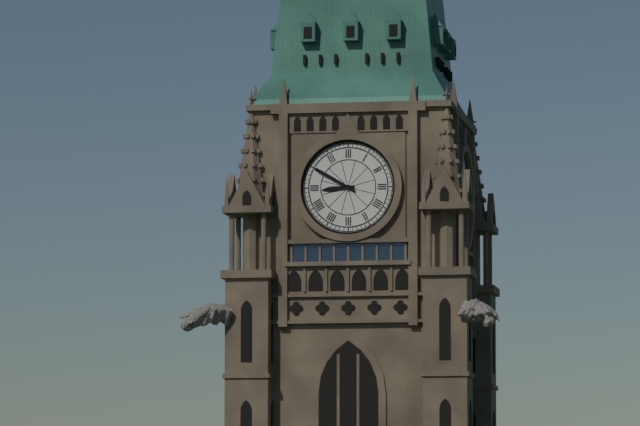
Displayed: 8 h 50 min
